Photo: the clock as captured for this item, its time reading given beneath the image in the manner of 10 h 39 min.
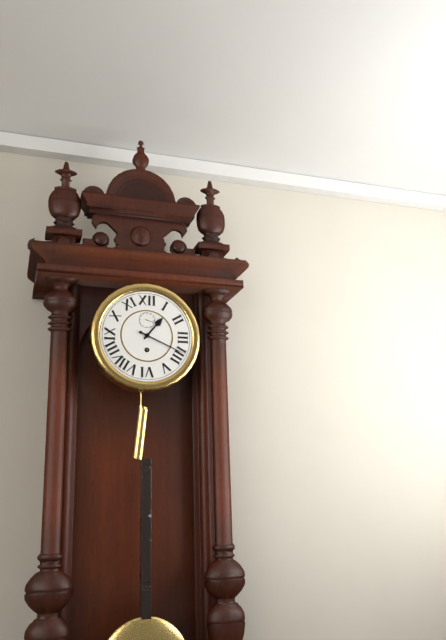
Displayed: 1 h 19 min
